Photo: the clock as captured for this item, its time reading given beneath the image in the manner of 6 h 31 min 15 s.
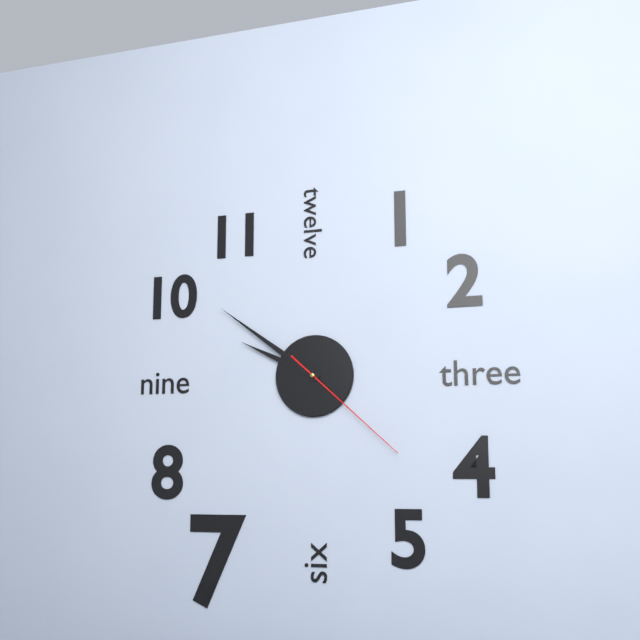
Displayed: 9 h 51 min 22 s
